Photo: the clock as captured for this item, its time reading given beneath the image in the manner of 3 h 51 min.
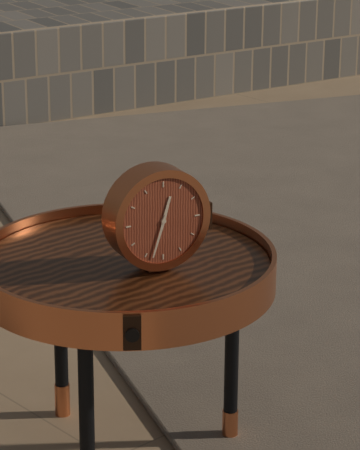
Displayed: 12 h 33 min
